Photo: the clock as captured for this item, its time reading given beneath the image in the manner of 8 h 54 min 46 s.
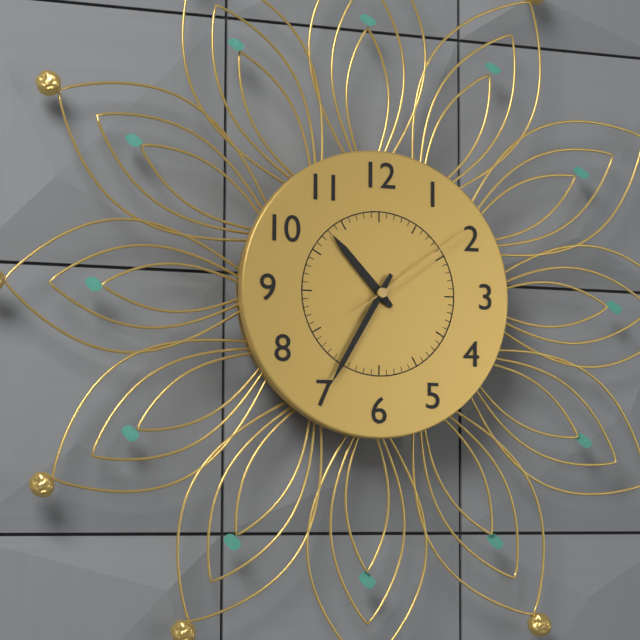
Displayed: 10 h 35 min 09 s
